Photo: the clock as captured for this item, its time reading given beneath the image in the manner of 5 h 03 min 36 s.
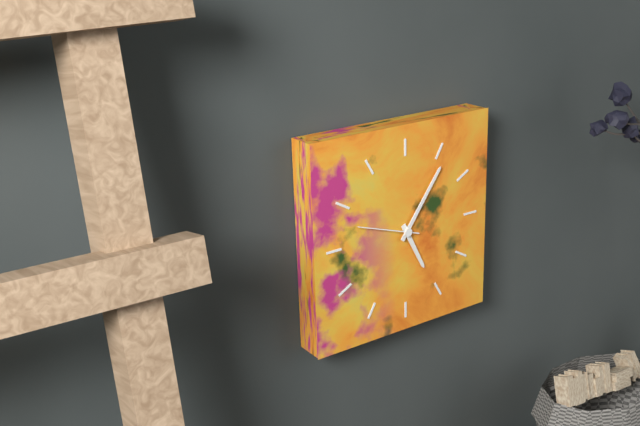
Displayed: 5 h 06 min 48 s
